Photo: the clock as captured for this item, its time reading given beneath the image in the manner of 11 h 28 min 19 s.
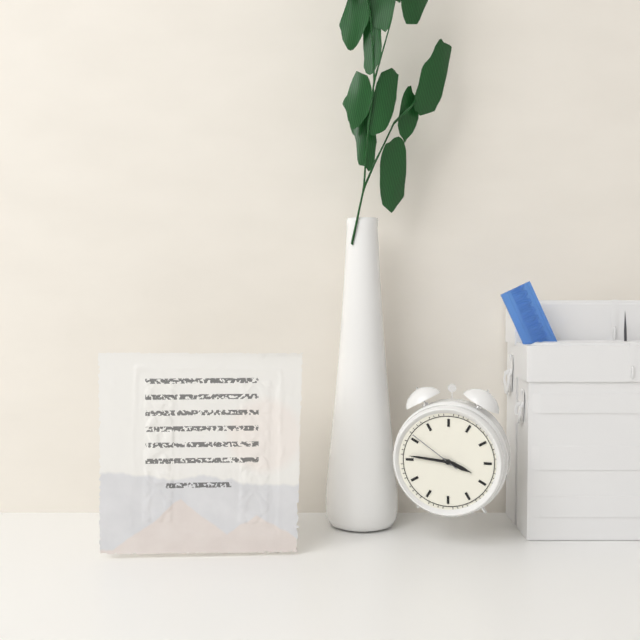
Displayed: 3 h 46 min 51 s
